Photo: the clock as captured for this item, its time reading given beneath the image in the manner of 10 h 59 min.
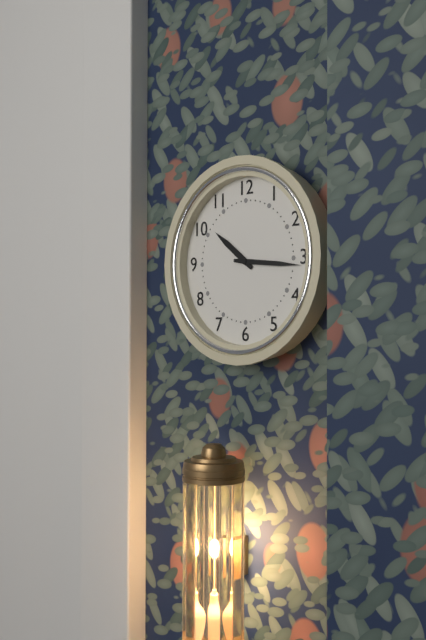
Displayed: 10 h 16 min
